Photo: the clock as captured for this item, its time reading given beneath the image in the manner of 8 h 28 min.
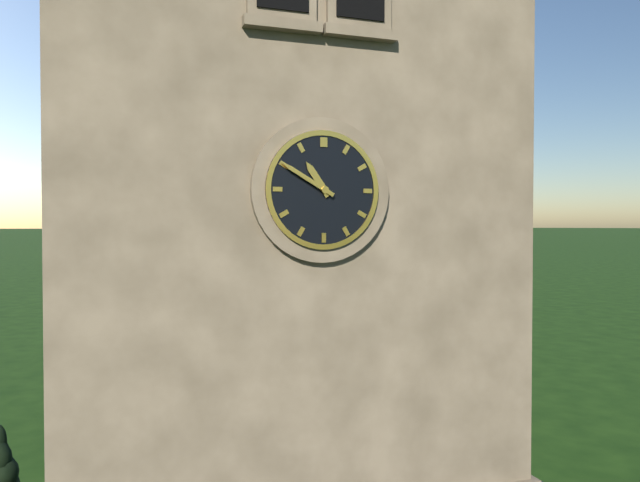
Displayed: 10 h 50 min
